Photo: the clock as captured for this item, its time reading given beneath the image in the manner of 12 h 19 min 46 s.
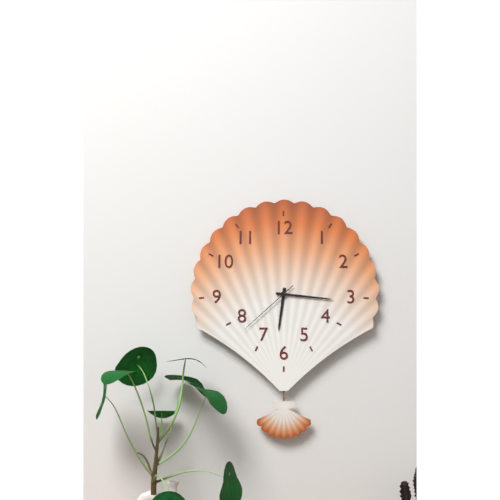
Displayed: 6 h 16 min 38 s
